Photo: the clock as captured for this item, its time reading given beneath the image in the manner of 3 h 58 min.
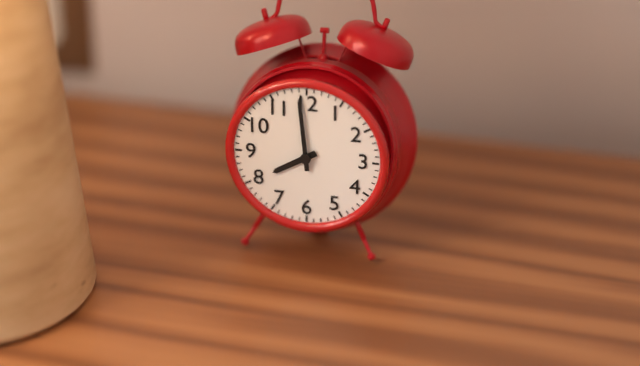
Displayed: 7 h 59 min
